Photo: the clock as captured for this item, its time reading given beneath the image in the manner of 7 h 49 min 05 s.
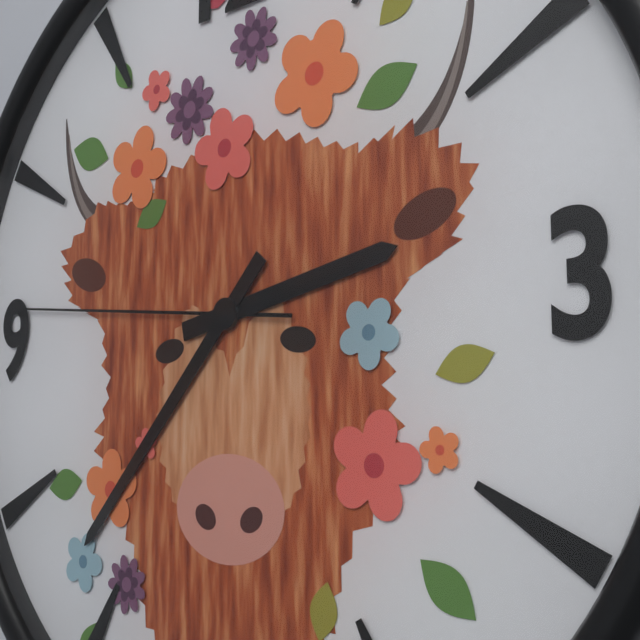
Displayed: 2 h 37 min 46 s
